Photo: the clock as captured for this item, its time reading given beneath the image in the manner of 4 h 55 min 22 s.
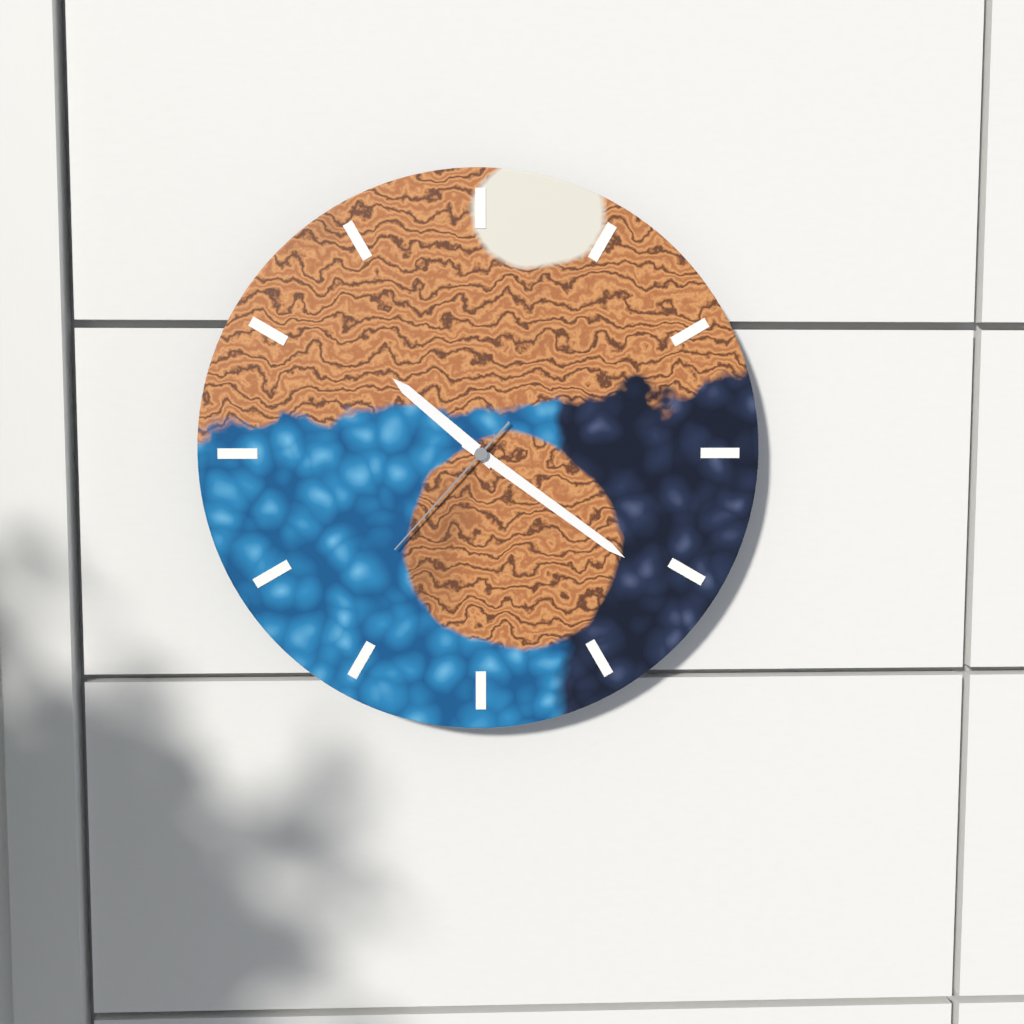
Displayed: 10 h 21 min 37 s
